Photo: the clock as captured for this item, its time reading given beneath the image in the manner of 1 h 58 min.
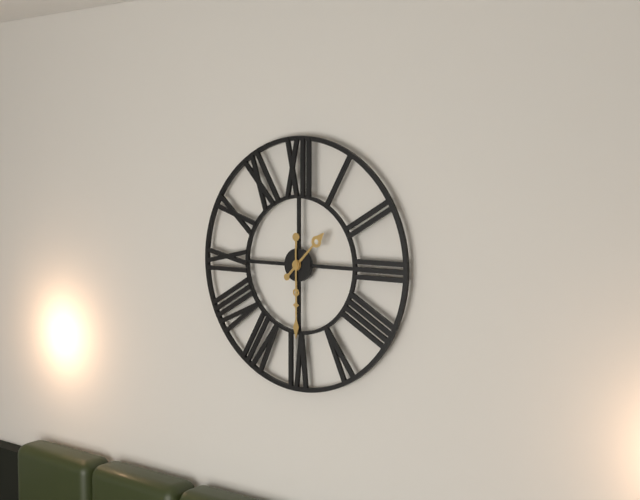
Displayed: 1 h 30 min
